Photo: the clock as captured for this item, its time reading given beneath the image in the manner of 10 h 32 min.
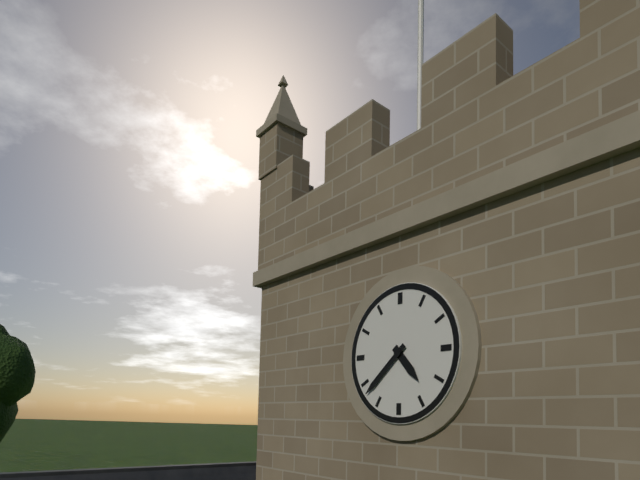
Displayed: 4 h 38 min
